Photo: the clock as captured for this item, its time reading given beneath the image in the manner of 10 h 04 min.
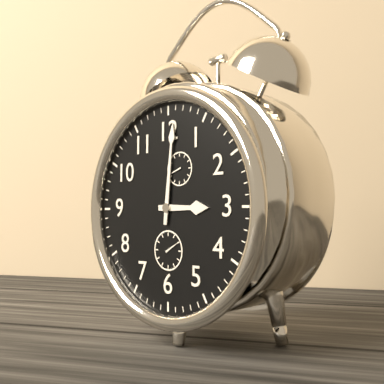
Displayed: 3 h 01 min
